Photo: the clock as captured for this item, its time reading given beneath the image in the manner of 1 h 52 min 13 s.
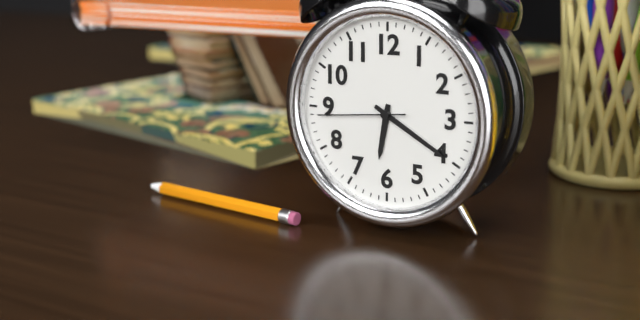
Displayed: 6 h 20 min 44 s
